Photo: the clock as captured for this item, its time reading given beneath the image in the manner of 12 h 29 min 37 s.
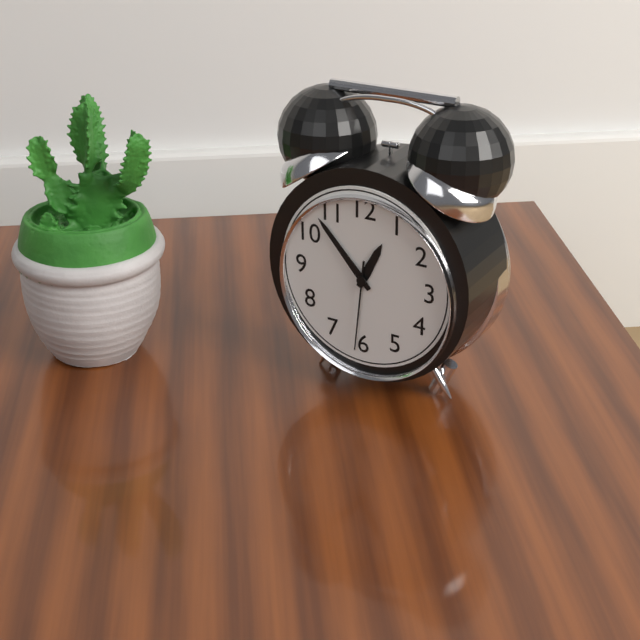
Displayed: 12 h 53 min 31 s
